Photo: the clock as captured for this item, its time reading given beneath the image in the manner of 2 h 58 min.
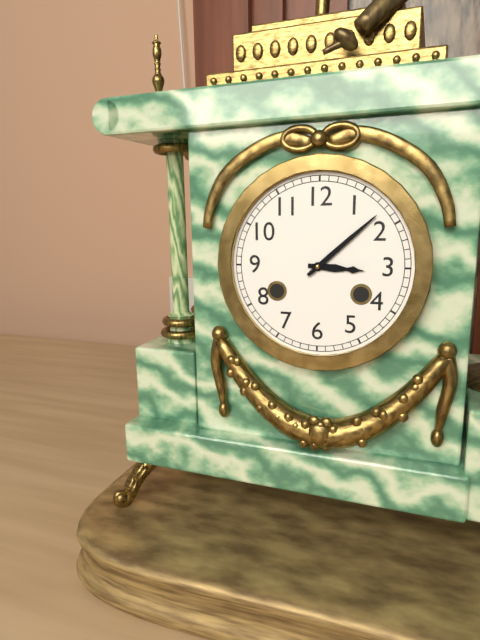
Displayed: 3 h 08 min
